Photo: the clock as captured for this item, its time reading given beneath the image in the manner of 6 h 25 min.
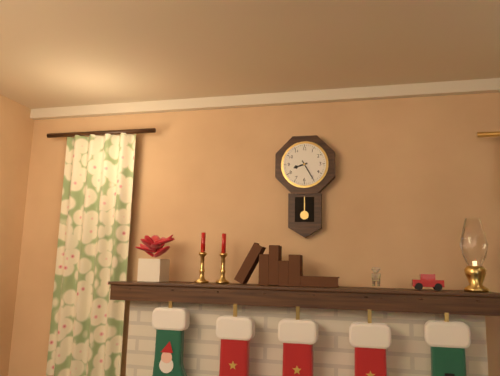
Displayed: 8 h 25 min
